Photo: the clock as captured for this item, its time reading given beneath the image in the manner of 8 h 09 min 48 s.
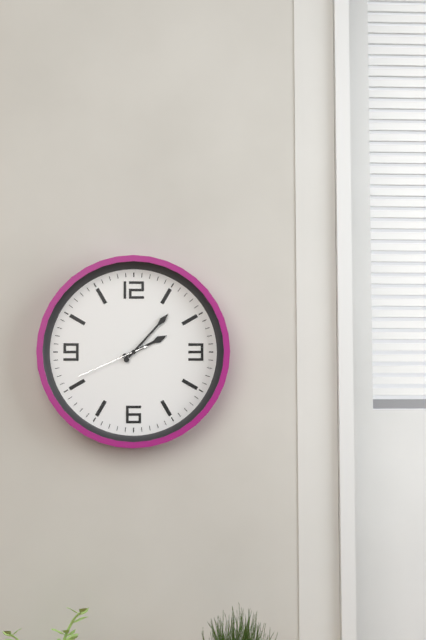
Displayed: 2 h 07 min 41 s
